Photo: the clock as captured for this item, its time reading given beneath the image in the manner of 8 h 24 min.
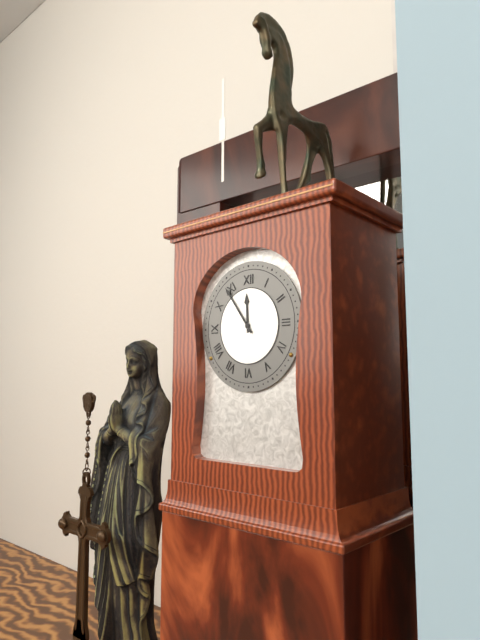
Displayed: 11 h 54 min
